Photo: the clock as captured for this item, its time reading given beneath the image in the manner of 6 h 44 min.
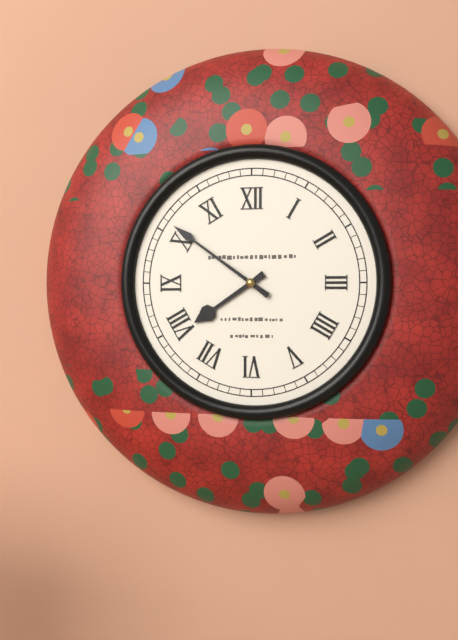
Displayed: 7 h 51 min
